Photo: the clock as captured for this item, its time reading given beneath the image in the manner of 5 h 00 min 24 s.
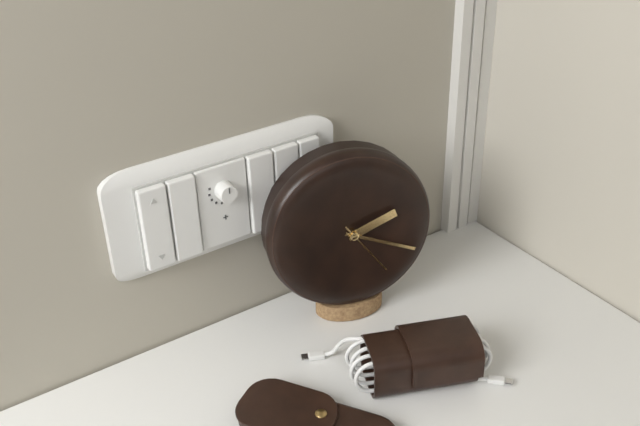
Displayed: 2 h 19 min 24 s
